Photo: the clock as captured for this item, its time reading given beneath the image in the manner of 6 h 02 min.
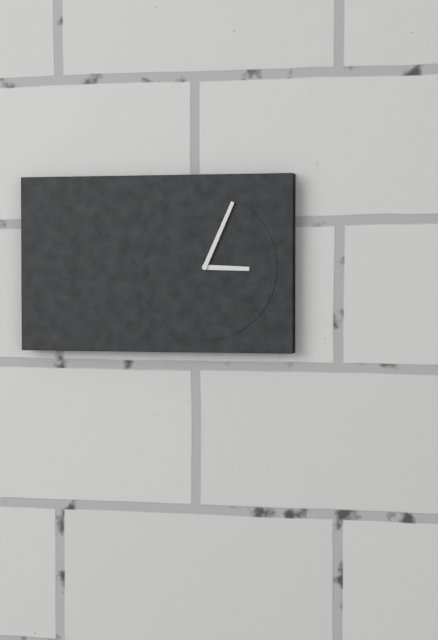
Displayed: 3 h 04 min
